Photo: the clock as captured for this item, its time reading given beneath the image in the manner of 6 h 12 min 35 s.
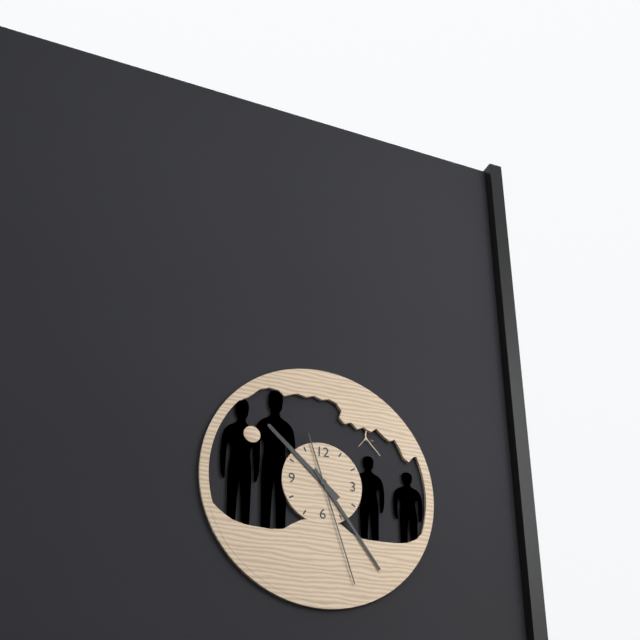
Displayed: 10 h 24 min 27 s
